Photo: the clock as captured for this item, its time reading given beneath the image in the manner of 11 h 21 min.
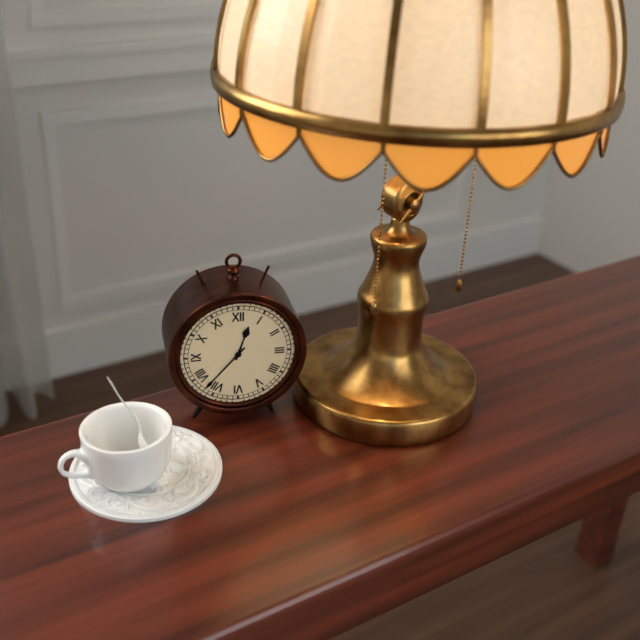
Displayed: 12 h 37 min
